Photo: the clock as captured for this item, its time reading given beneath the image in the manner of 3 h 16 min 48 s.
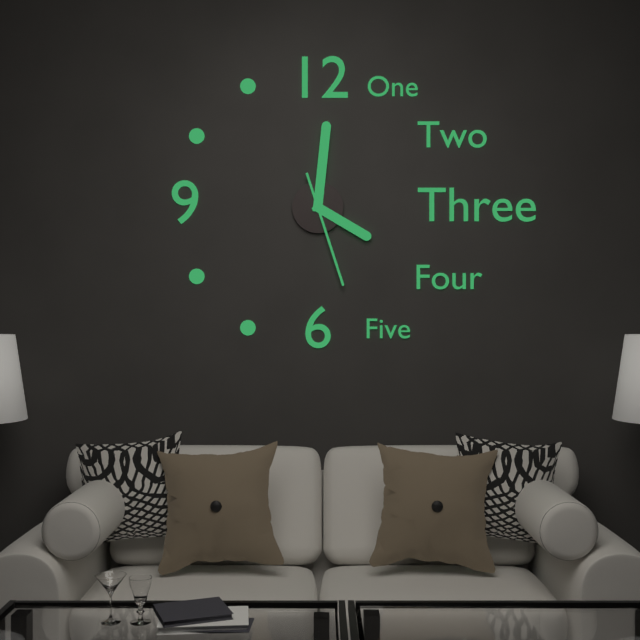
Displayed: 4 h 01 min 27 s
